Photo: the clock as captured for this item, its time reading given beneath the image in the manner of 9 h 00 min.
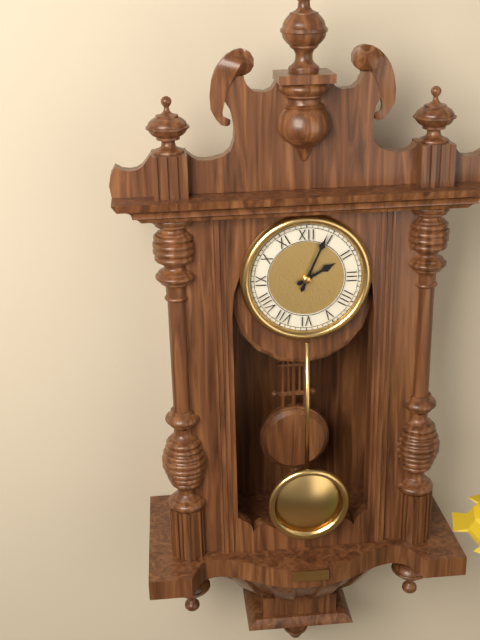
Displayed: 2 h 04 min
